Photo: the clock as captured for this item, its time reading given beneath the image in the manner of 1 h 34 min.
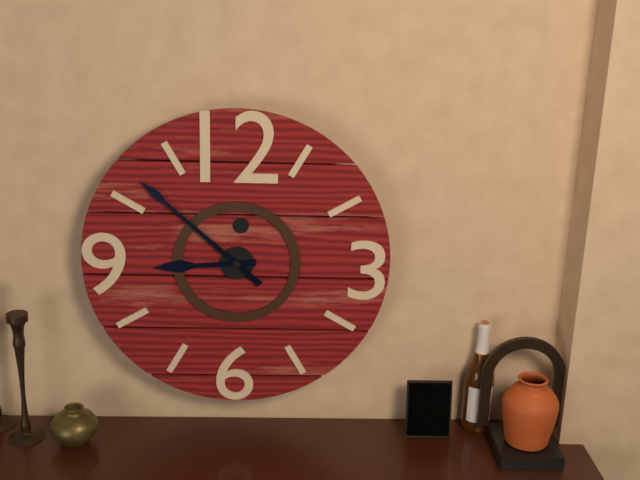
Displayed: 8 h 52 min
